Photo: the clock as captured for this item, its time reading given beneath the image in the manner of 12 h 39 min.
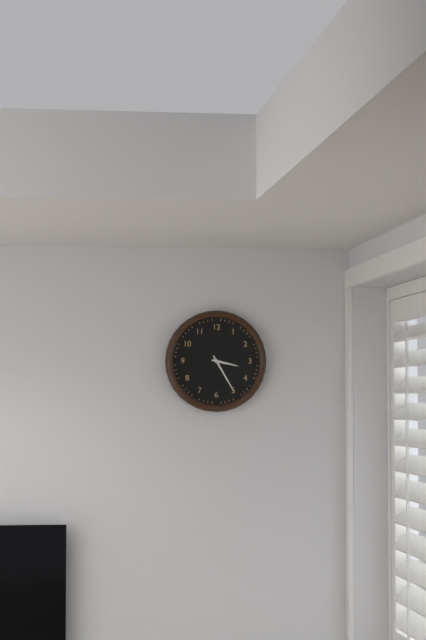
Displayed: 3 h 25 min
